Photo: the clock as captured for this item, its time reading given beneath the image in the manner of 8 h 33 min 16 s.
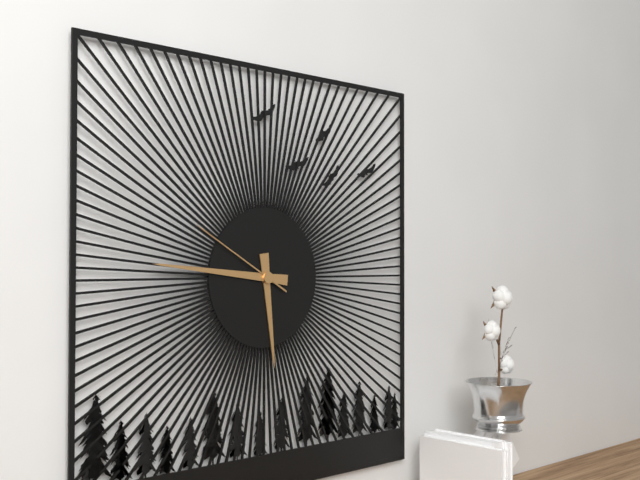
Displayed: 5 h 46 min 50 s
